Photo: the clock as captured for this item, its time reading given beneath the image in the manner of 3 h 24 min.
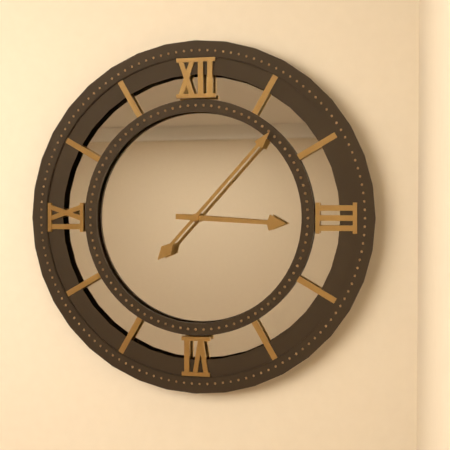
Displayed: 3 h 07 min
